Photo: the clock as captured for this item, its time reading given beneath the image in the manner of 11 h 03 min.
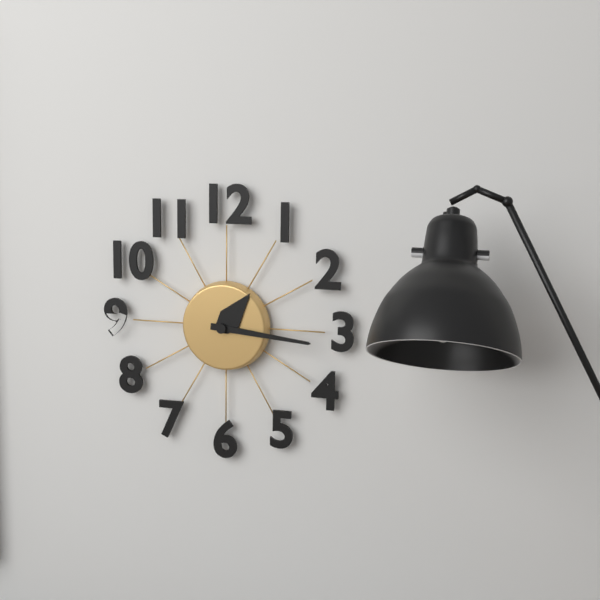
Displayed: 1 h 16 min
